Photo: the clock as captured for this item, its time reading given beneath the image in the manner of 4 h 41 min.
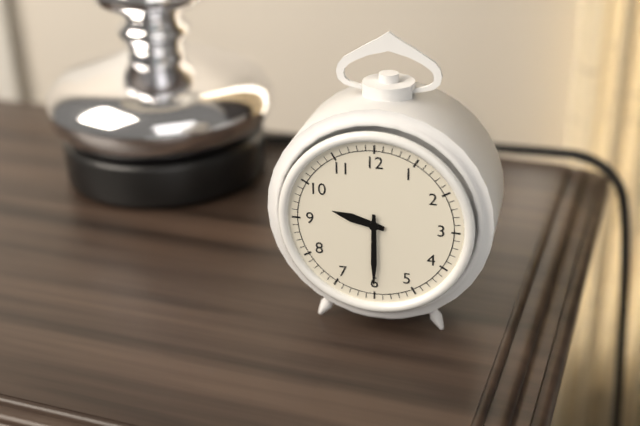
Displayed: 9 h 30 min
